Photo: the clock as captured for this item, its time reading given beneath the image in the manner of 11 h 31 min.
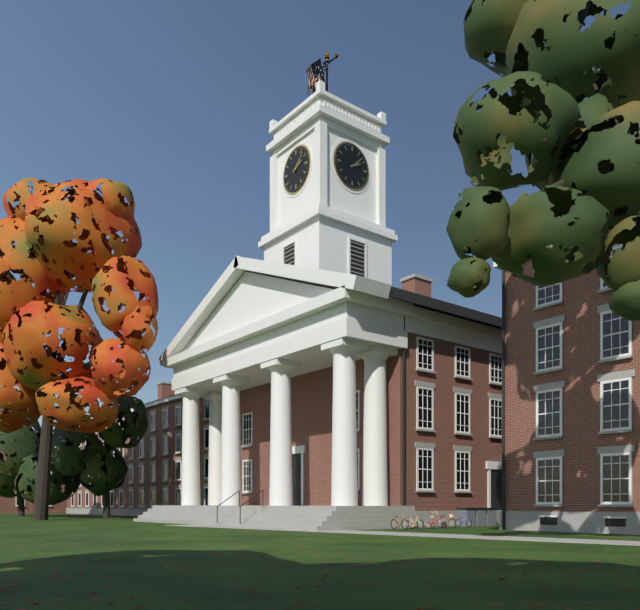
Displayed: 2 h 08 min
